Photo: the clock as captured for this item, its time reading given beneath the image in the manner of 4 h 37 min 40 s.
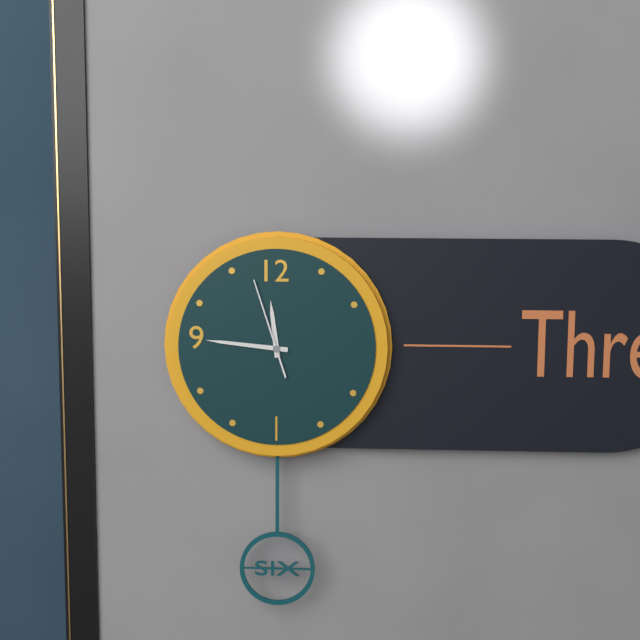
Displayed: 11 h 46 min 57 s
